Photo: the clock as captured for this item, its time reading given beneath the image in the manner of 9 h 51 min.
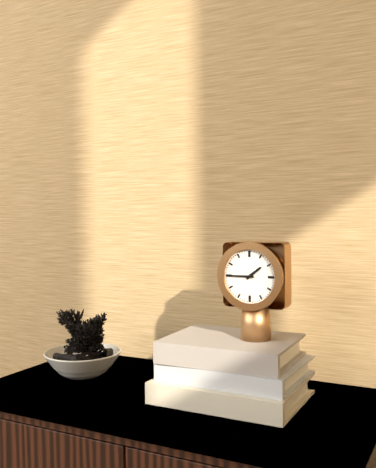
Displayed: 1 h 45 min
